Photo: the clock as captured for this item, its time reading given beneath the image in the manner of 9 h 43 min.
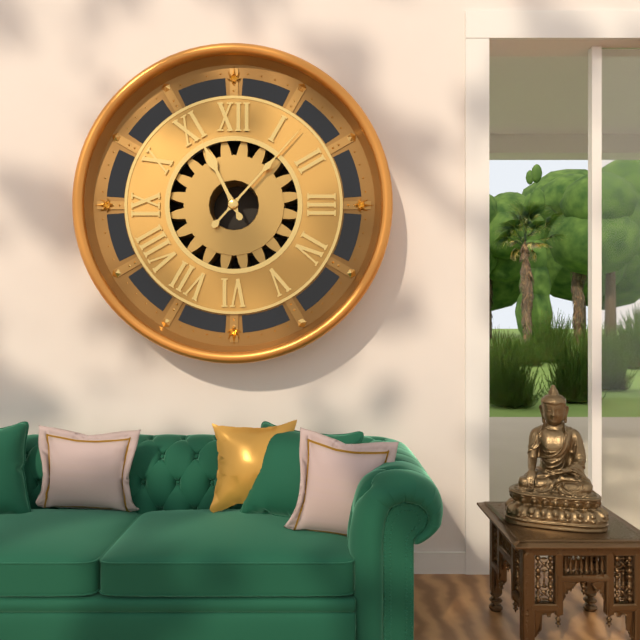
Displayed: 11 h 07 min
